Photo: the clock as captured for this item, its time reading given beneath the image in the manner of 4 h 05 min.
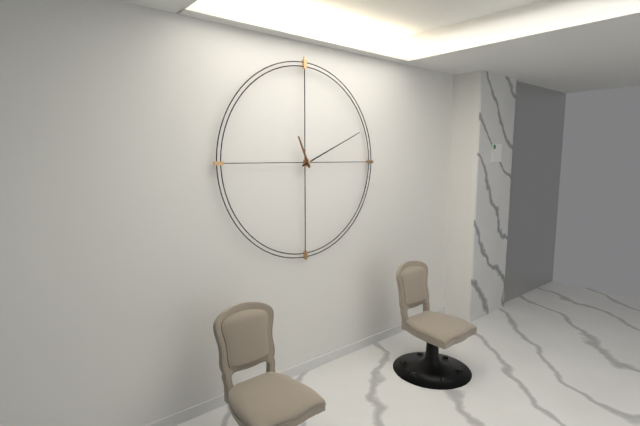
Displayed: 11 h 11 min
